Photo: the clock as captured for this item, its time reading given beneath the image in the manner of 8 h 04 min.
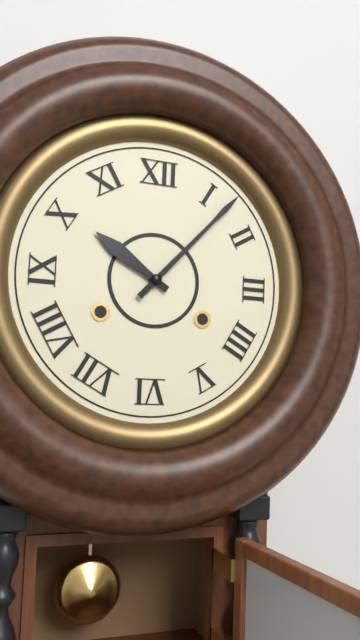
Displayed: 10 h 07 min
